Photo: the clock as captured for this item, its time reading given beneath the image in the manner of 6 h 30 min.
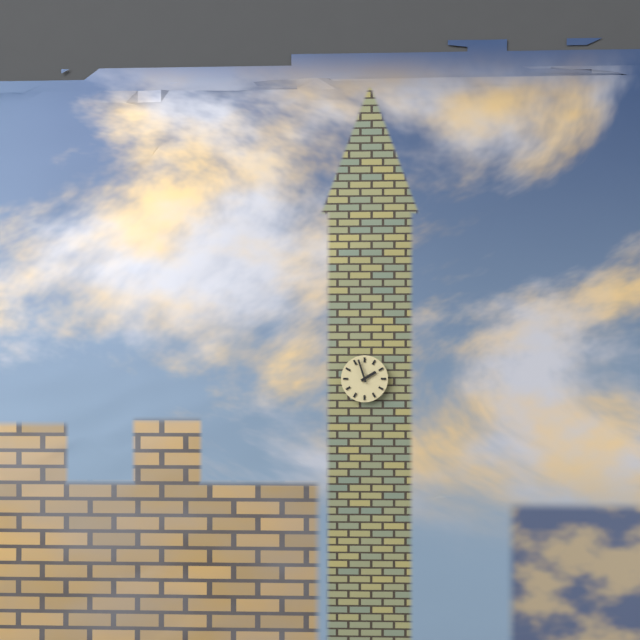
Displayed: 1 h 57 min
